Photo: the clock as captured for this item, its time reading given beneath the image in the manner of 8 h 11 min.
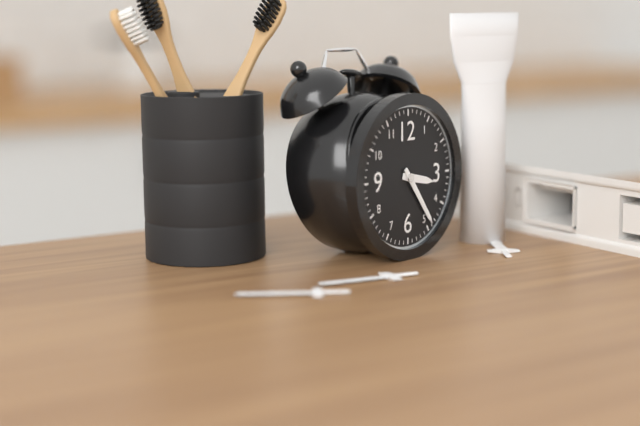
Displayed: 3 h 24 min
